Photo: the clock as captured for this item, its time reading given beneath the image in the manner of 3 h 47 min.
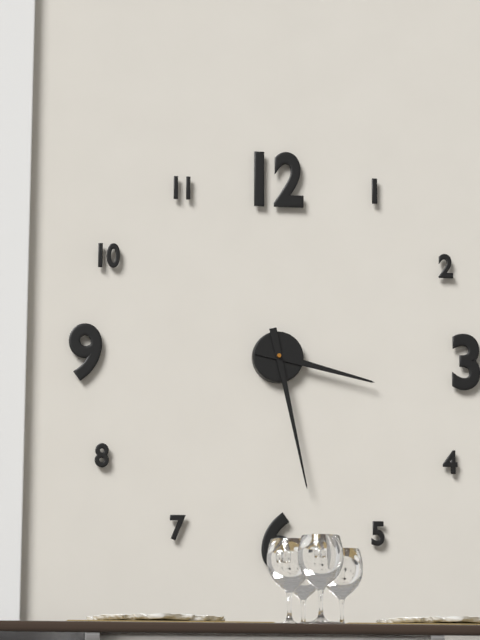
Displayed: 3 h 28 min
